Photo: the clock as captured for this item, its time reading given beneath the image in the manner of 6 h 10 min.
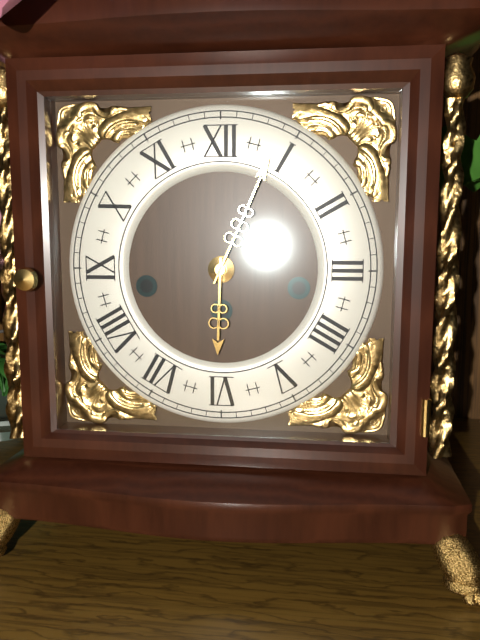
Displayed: 6 h 04 min
